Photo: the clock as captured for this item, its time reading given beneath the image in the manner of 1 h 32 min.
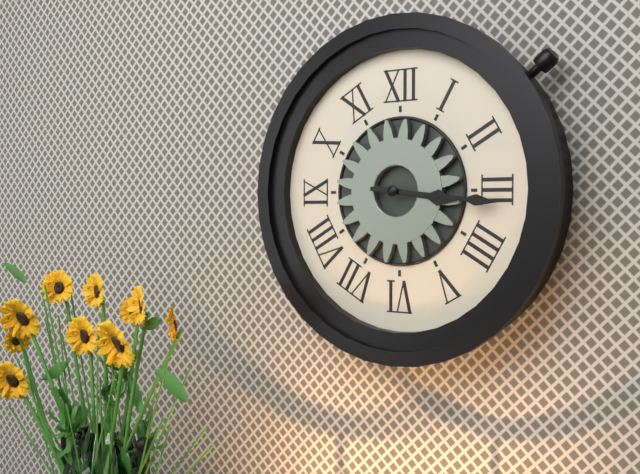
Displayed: 3 h 16 min
